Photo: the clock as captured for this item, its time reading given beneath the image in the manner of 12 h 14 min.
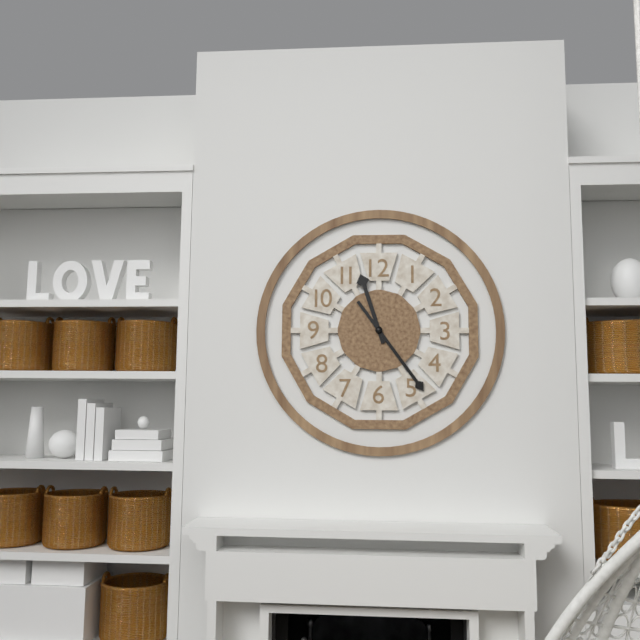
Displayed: 11 h 24 min
